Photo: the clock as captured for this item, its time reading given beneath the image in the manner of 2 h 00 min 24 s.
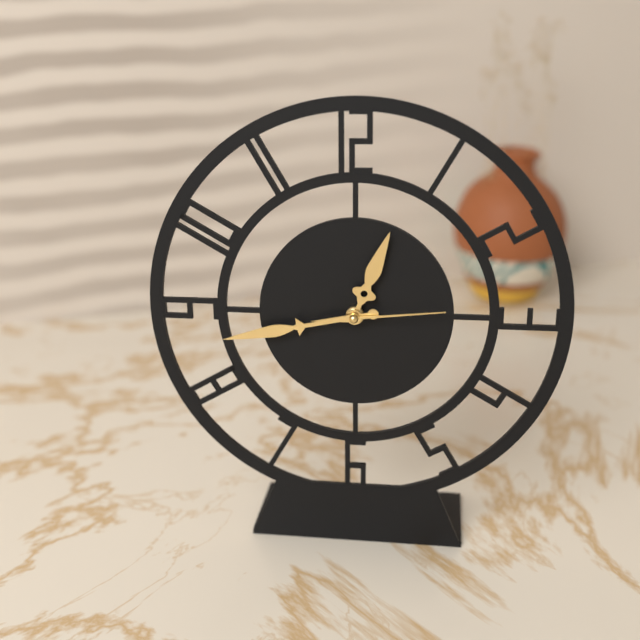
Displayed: 12 h 43 min 14 s
